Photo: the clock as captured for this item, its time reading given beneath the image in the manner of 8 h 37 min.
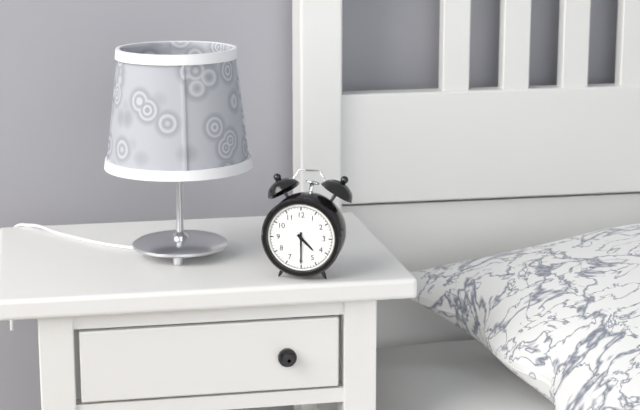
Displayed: 4 h 30 min
